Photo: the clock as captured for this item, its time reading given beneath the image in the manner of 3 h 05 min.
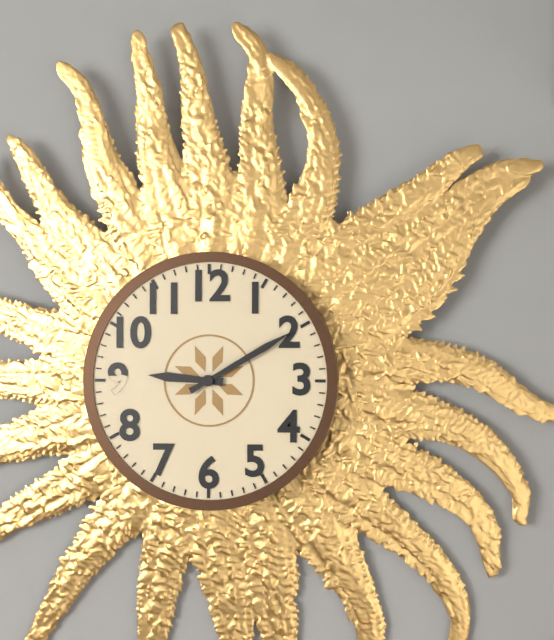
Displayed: 9 h 10 min
